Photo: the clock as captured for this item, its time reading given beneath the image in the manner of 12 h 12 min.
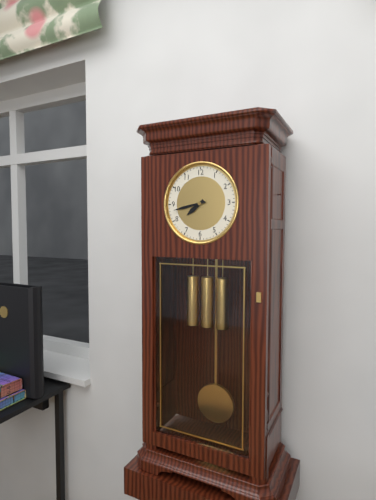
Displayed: 7 h 43 min
